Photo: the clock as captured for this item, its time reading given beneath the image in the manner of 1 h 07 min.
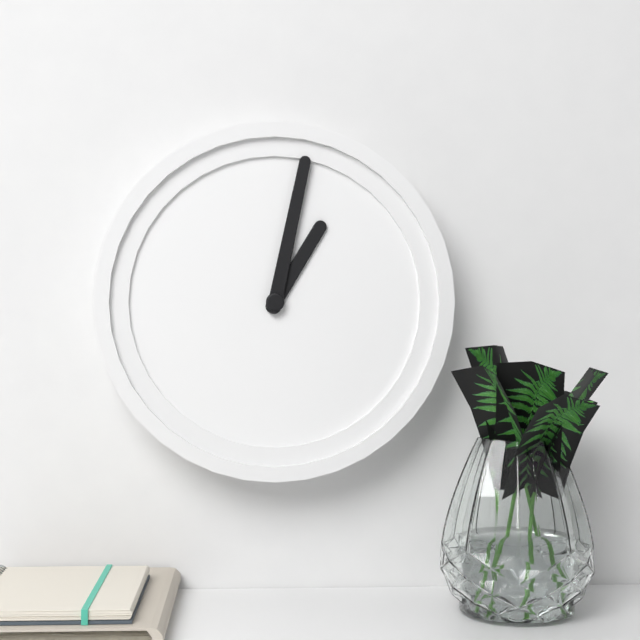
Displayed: 1 h 02 min
